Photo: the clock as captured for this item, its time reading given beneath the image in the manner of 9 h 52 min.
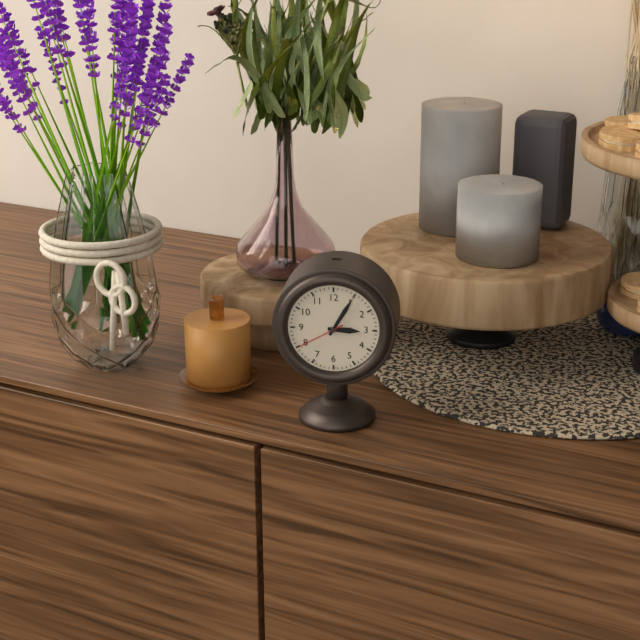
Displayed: 3 h 05 min
